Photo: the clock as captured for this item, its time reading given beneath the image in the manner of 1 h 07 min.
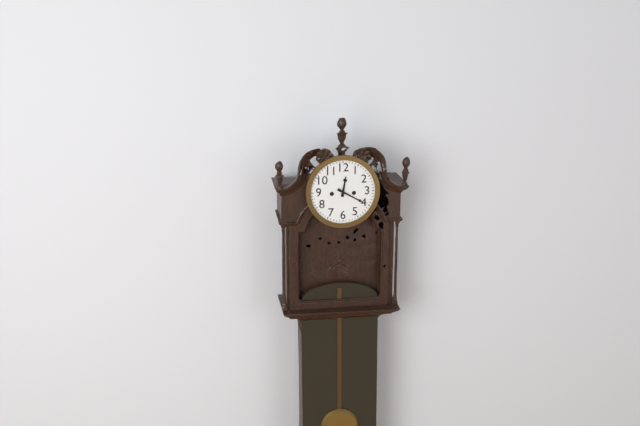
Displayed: 12 h 20 min
